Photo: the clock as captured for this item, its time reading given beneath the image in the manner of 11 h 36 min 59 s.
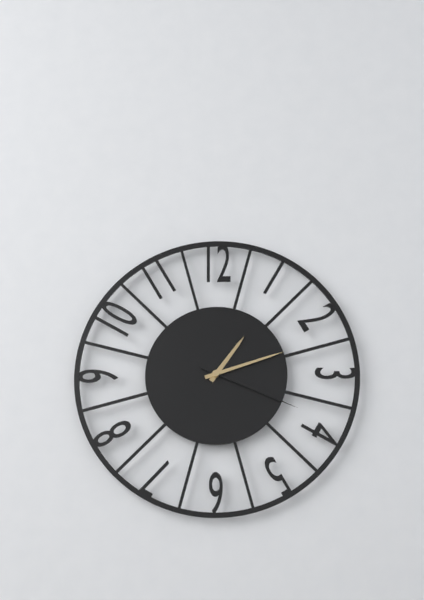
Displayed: 1 h 12 min 19 s
